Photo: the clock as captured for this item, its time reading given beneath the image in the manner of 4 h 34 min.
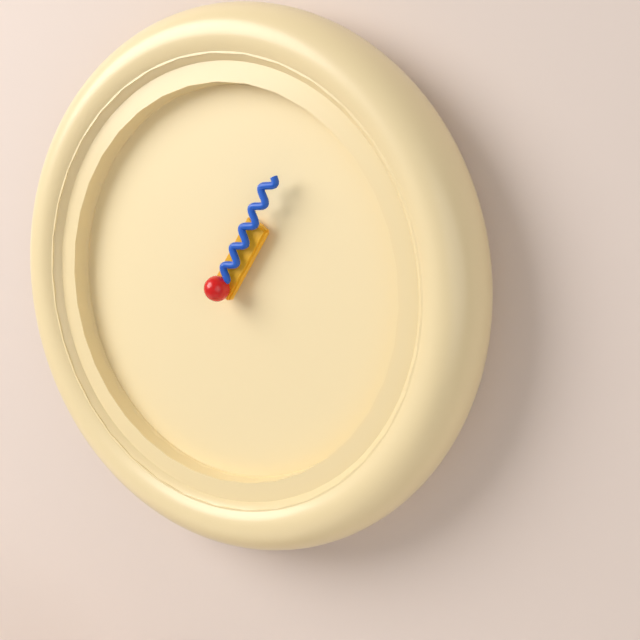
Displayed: 1 h 05 min
